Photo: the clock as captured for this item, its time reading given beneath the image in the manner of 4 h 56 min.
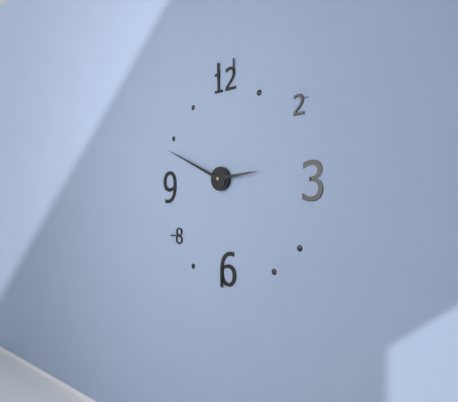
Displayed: 2 h 49 min
